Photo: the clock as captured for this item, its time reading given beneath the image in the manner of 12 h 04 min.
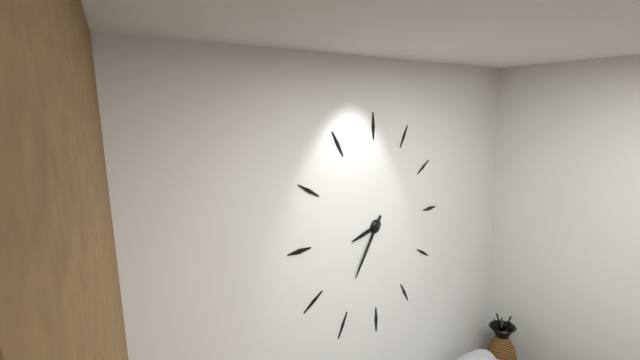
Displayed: 8 h 36 min
